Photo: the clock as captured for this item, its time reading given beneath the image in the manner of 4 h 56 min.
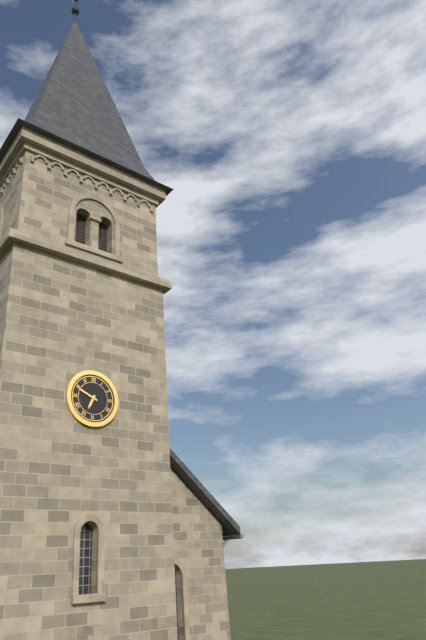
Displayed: 6 h 49 min
